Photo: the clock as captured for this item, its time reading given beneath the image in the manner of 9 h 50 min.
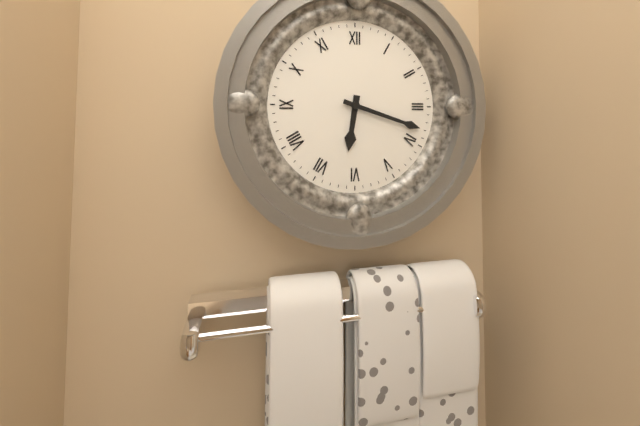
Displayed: 6 h 18 min
